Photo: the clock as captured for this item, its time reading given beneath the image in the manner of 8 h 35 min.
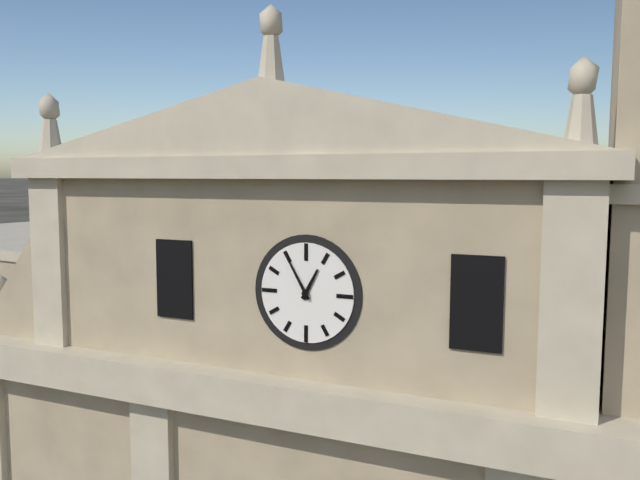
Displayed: 12 h 55 min
